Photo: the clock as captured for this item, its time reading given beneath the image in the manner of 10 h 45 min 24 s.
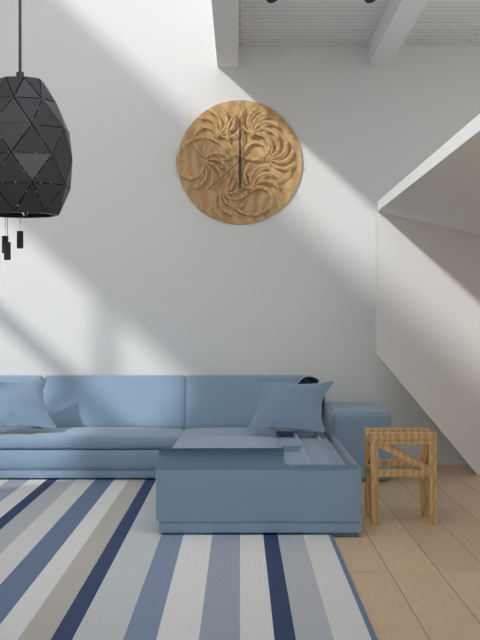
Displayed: 6 h 00 min 38 s
